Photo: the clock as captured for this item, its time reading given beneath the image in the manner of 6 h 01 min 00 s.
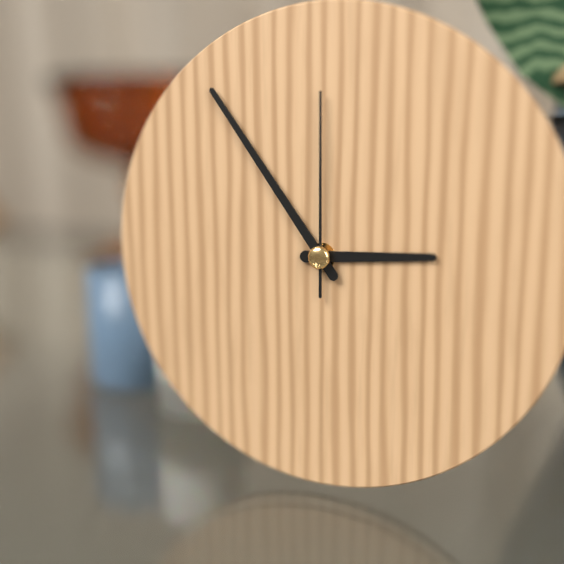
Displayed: 2 h 54 min 00 s
